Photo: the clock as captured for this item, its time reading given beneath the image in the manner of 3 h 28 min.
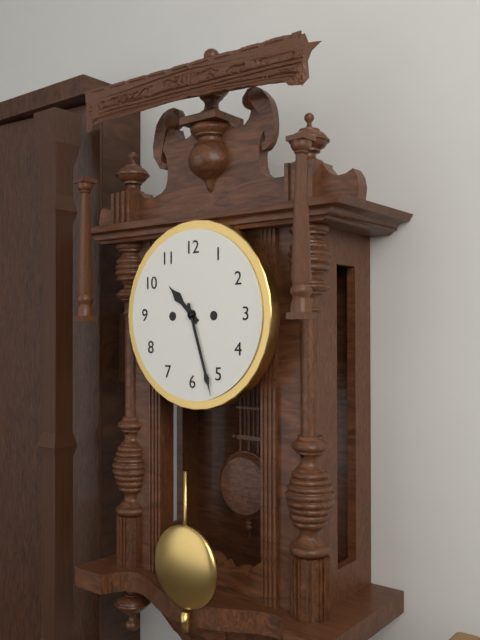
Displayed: 10 h 27 min
